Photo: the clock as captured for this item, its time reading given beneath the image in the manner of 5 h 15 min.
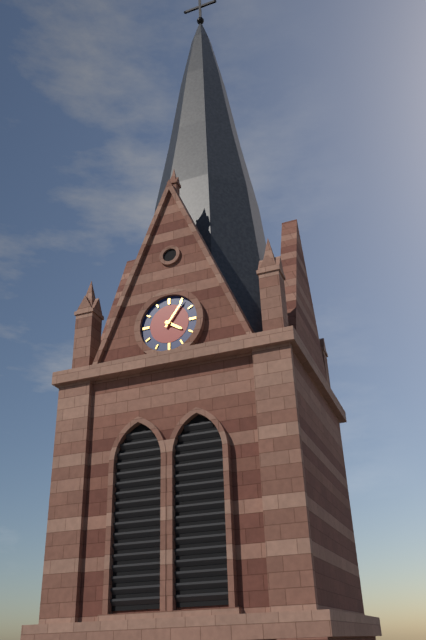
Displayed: 4 h 06 min
